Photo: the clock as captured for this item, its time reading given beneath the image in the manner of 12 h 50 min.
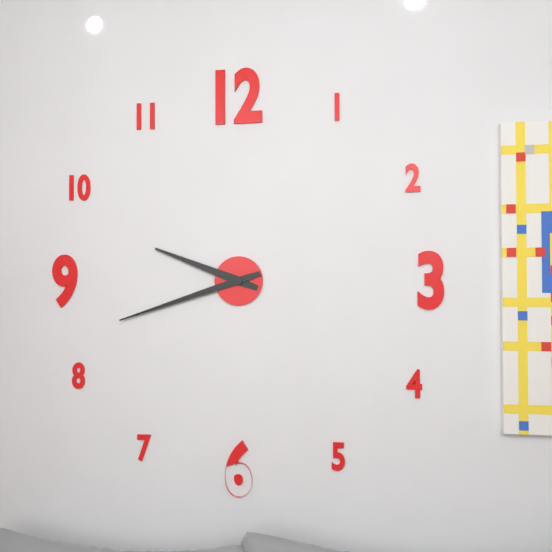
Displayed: 9 h 42 min
